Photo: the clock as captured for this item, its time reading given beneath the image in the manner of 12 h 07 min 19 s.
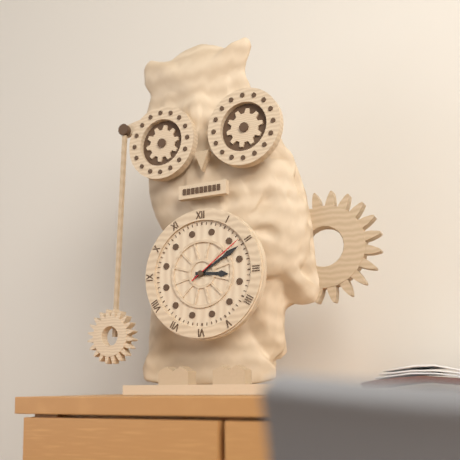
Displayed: 3 h 10 min 09 s
